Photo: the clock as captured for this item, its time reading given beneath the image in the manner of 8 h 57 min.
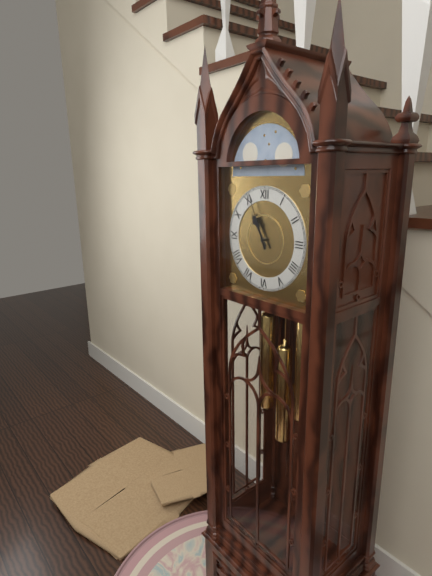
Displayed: 10 h 56 min
